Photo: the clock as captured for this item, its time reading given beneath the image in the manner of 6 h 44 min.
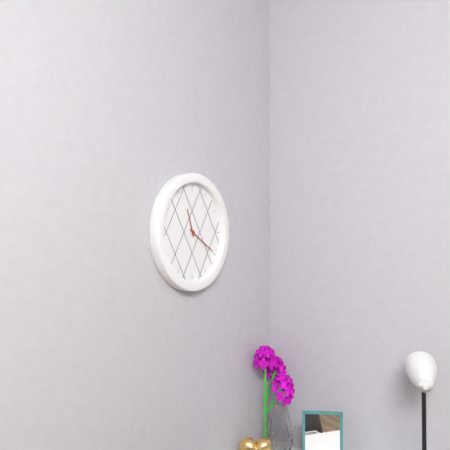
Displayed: 11 h 20 min
